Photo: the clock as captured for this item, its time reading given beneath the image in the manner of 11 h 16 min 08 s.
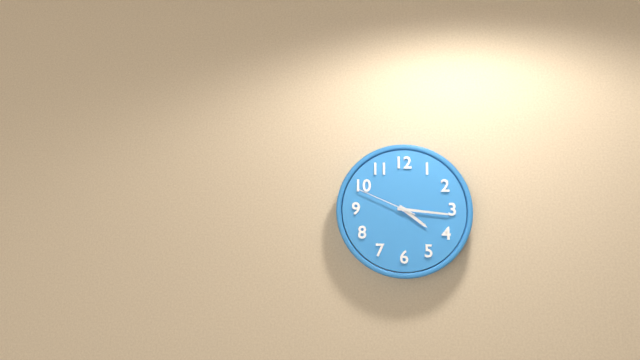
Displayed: 4 h 16 min 49 s
